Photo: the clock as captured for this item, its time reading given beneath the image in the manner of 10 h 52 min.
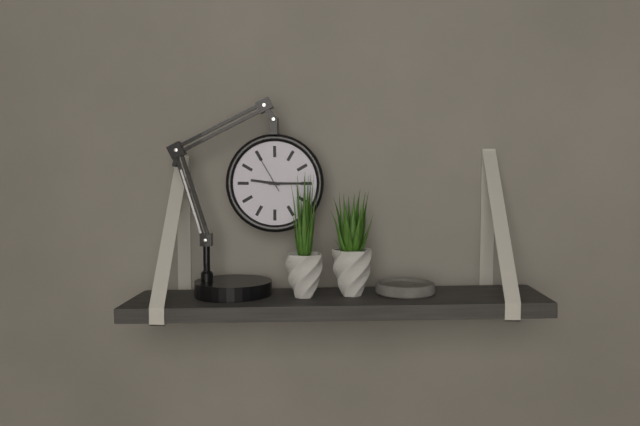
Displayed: 9 h 15 min
